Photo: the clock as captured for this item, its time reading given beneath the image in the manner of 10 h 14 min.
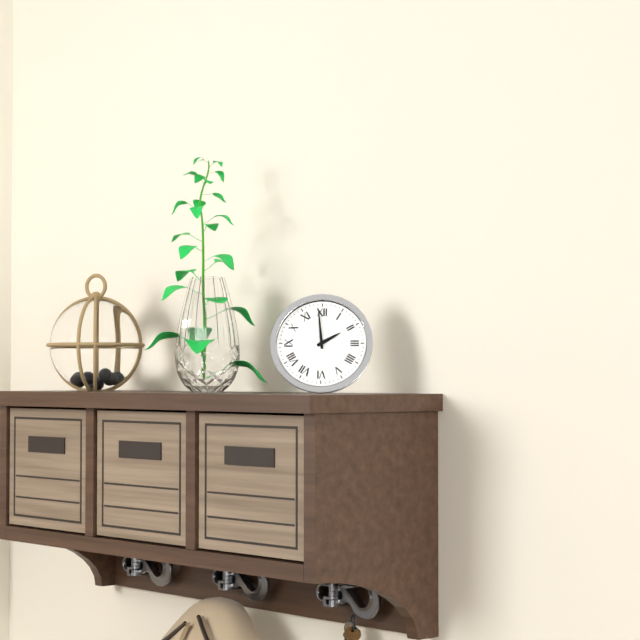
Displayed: 1 h 59 min
